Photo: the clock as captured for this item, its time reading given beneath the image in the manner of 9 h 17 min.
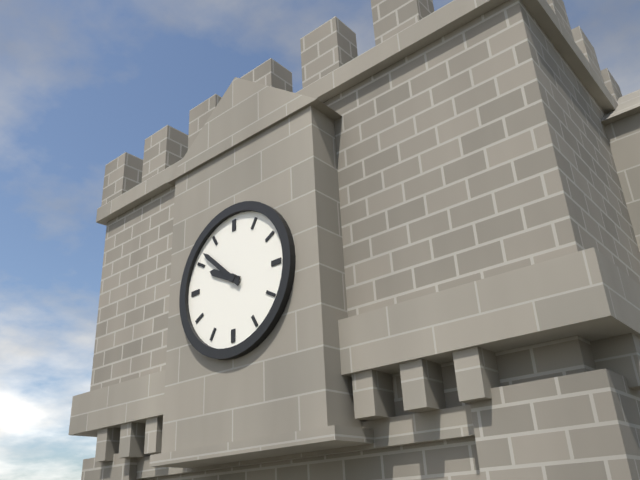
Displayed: 9 h 52 min
